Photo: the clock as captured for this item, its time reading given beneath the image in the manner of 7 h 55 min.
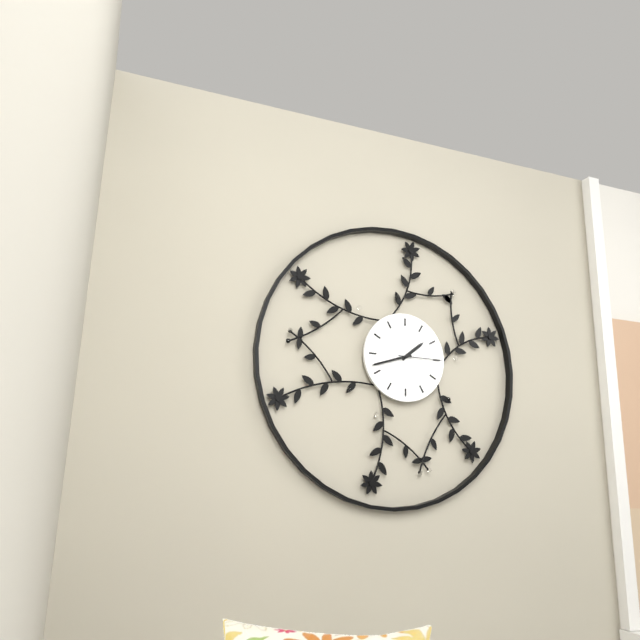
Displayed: 1 h 42 min
